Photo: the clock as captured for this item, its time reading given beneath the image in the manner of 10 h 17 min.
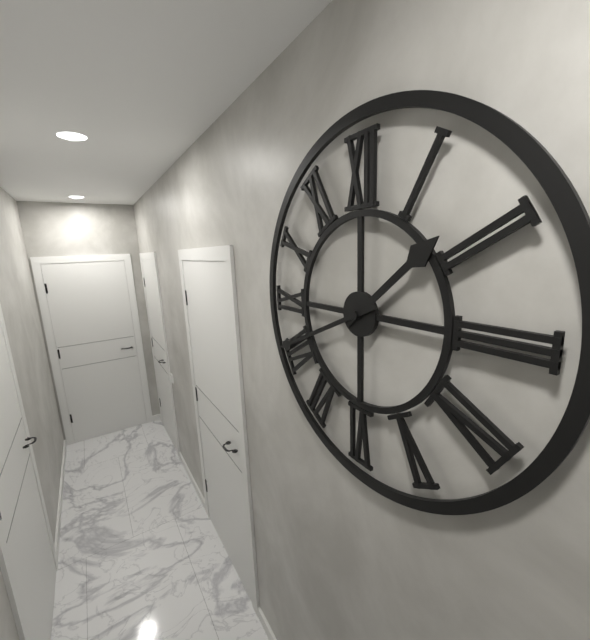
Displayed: 1 h 41 min
